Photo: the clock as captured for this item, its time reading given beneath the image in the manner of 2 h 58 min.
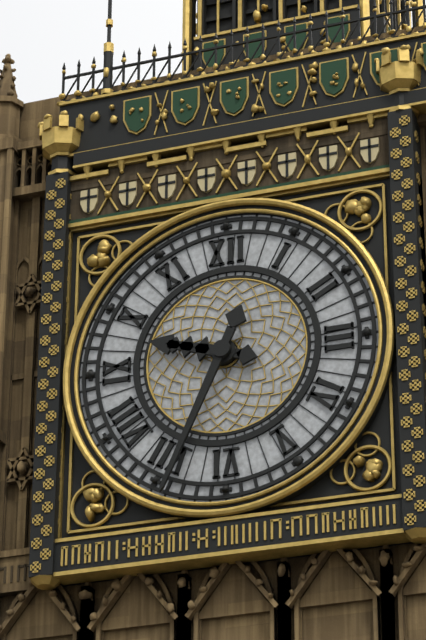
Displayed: 9 h 34 min
